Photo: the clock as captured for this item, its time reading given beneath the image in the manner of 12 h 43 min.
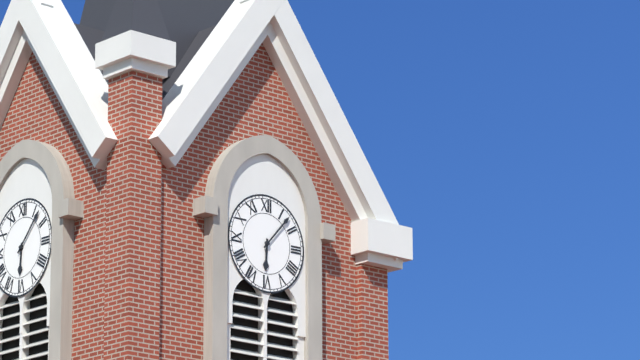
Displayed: 6 h 07 min
